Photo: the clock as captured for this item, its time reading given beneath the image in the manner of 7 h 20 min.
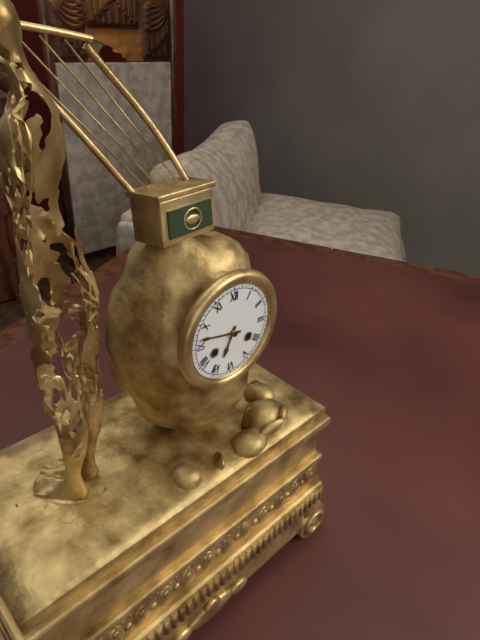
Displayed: 6 h 47 min
